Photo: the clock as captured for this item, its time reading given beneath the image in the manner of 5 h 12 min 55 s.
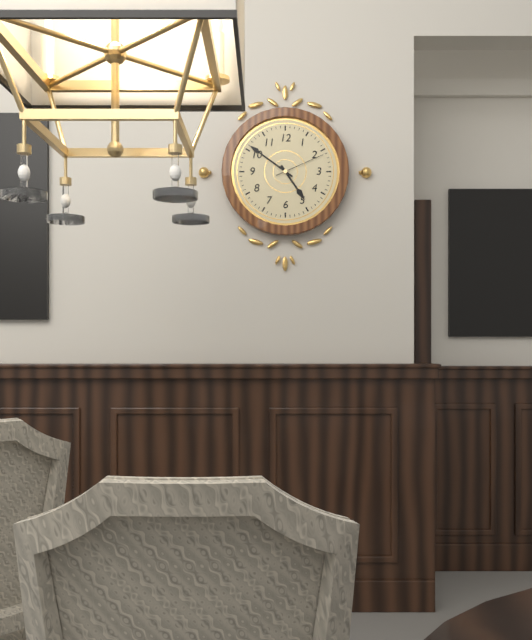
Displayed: 4 h 51 min 11 s
